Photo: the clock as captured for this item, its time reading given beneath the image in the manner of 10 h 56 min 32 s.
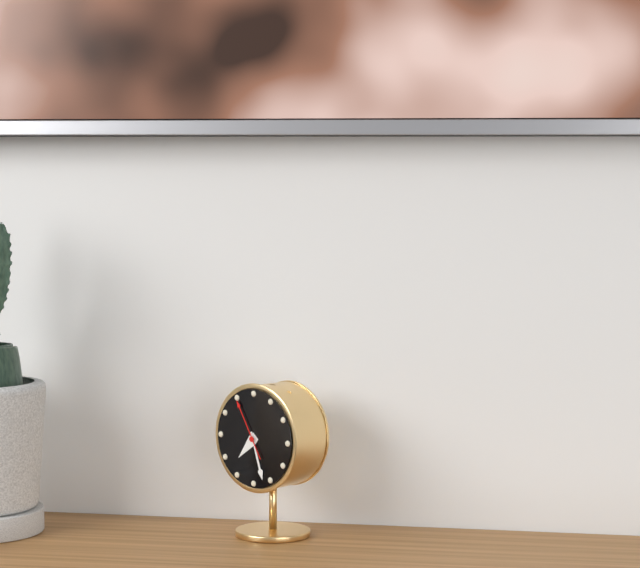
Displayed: 7 h 27 min 55 s
